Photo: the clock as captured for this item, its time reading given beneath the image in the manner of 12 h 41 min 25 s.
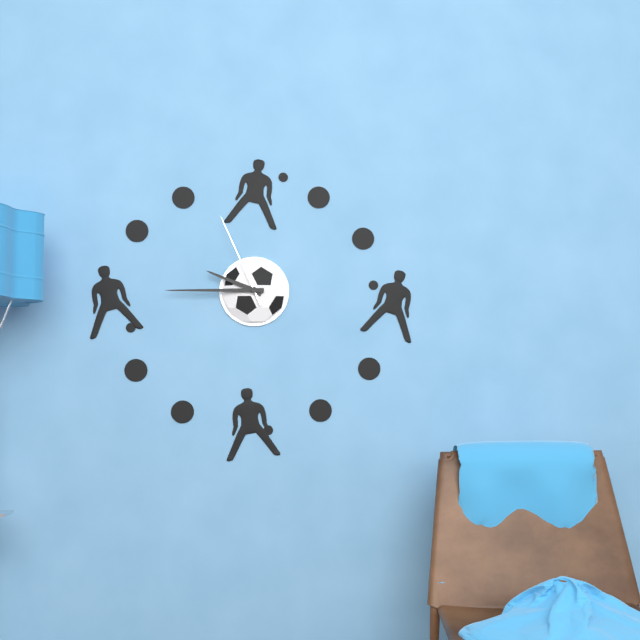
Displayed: 9 h 45 min 56 s
